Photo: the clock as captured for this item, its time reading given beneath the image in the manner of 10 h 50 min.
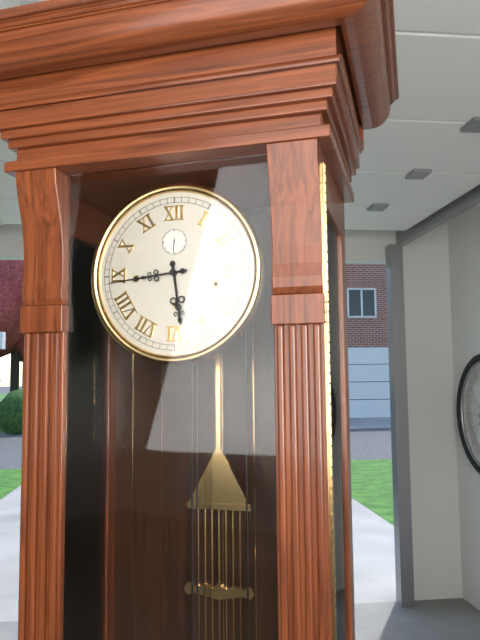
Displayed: 5 h 44 min
